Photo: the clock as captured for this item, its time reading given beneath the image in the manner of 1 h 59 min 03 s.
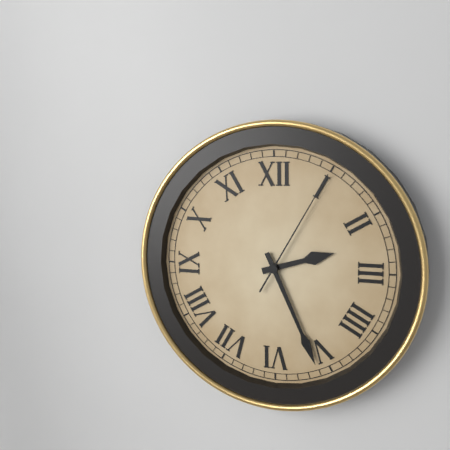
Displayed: 2 h 26 min 05 s
